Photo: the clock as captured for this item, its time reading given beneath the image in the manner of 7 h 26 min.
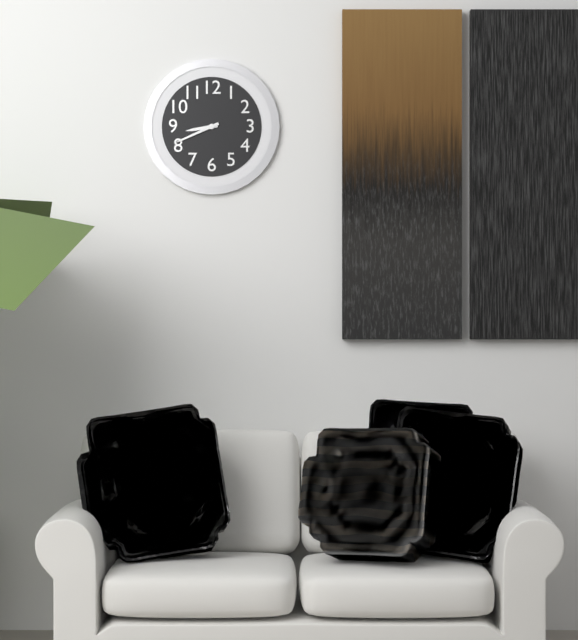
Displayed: 8 h 41 min
